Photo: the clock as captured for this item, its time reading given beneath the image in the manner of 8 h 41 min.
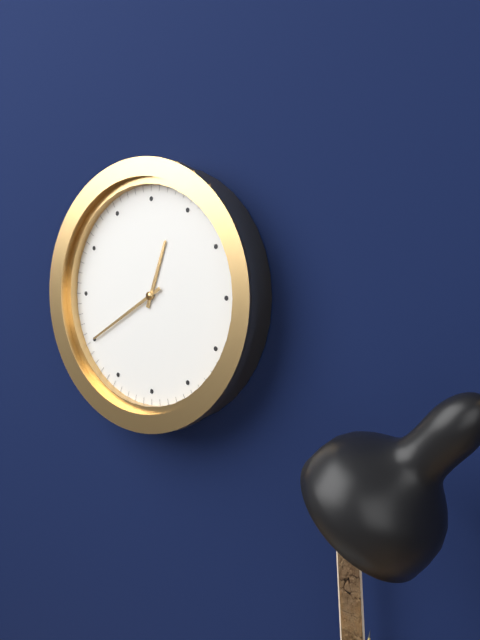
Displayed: 12 h 40 min
